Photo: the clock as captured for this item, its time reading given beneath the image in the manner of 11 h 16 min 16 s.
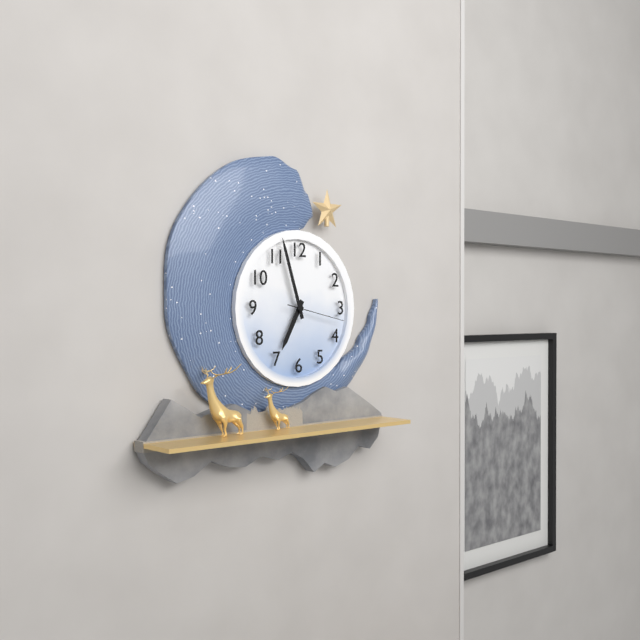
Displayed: 6 h 57 min 17 s
